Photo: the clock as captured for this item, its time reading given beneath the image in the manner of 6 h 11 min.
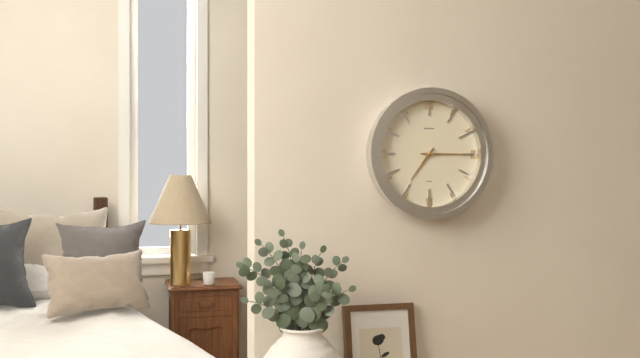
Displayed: 7 h 15 min
